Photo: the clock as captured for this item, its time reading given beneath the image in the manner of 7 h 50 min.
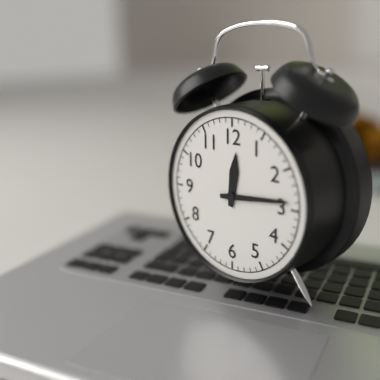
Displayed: 12 h 14 min
